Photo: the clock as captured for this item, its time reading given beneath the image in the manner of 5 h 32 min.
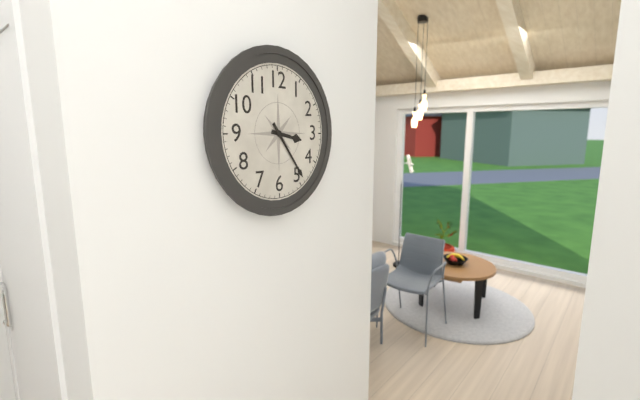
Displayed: 3 h 24 min
